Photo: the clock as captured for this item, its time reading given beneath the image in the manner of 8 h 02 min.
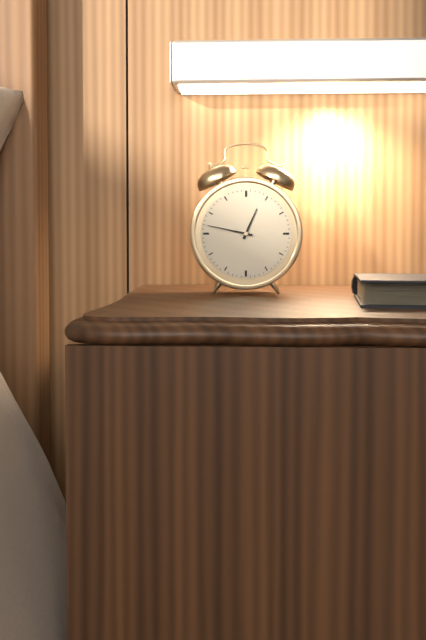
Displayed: 12 h 47 min
